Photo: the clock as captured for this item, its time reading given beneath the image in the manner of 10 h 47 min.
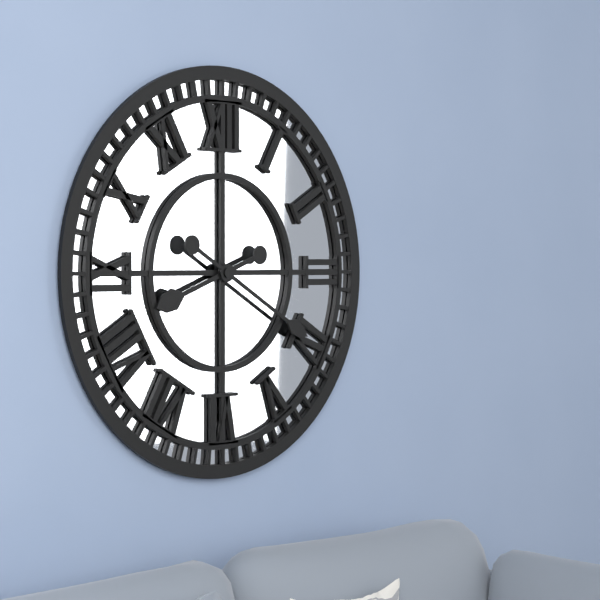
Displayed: 8 h 20 min
